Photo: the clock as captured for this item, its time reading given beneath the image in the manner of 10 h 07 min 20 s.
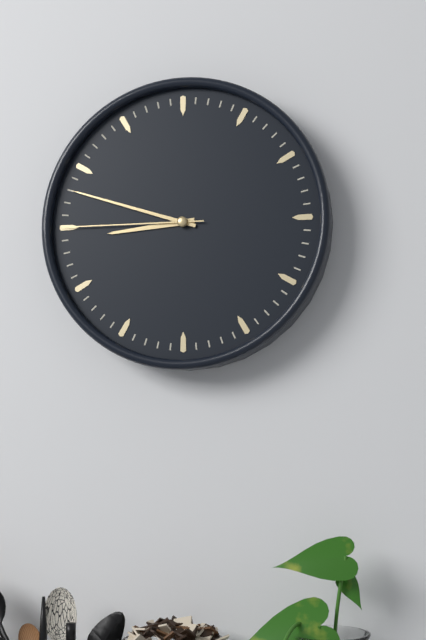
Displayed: 8 h 48 min 45 s
